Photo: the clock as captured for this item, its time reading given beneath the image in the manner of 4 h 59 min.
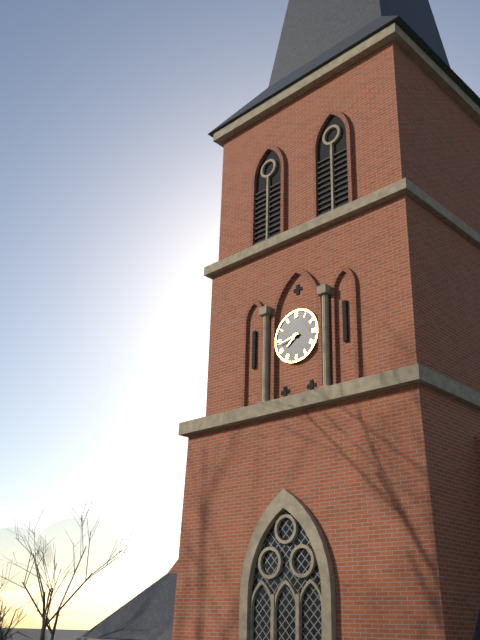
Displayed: 7 h 43 min
